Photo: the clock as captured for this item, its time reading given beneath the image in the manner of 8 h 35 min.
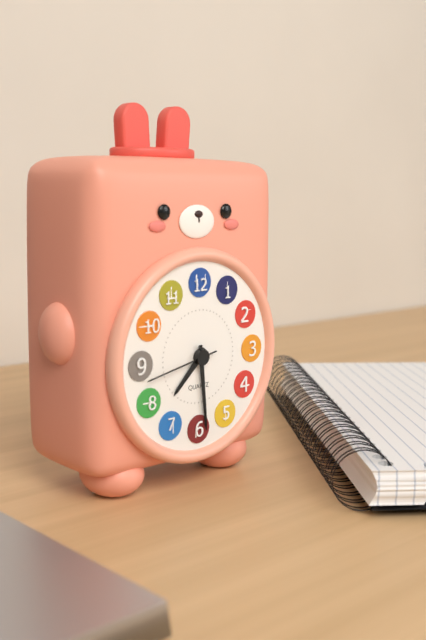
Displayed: 7 h 29 min
